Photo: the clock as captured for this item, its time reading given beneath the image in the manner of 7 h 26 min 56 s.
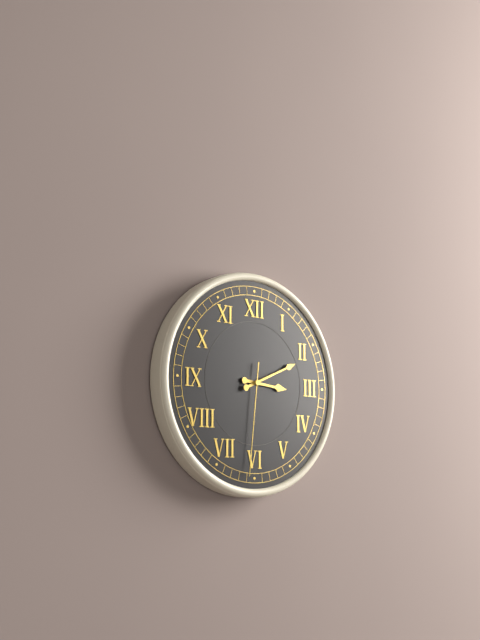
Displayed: 3 h 11 min 31 s
